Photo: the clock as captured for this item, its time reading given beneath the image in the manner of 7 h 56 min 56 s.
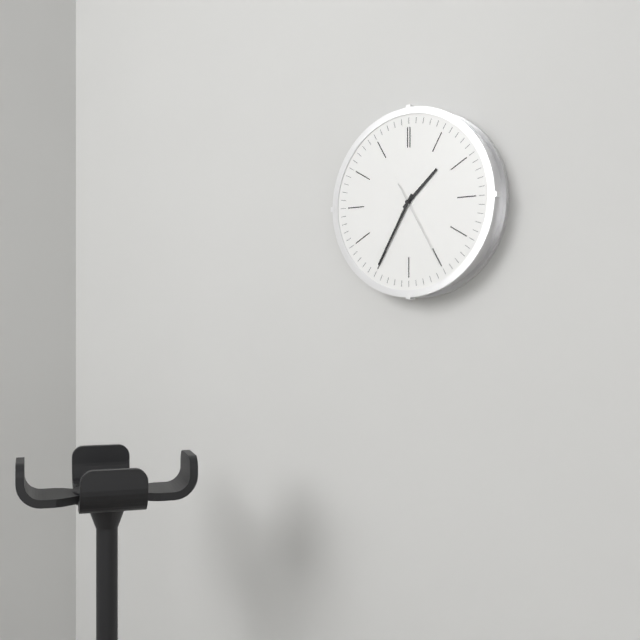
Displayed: 1 h 35 min 25 s
